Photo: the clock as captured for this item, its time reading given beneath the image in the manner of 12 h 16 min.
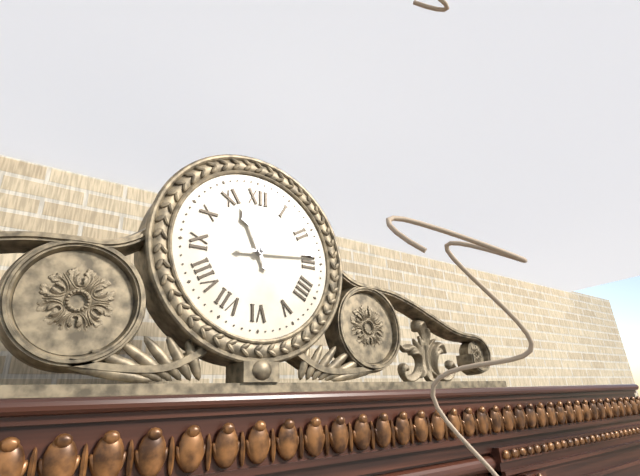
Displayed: 11 h 14 min
